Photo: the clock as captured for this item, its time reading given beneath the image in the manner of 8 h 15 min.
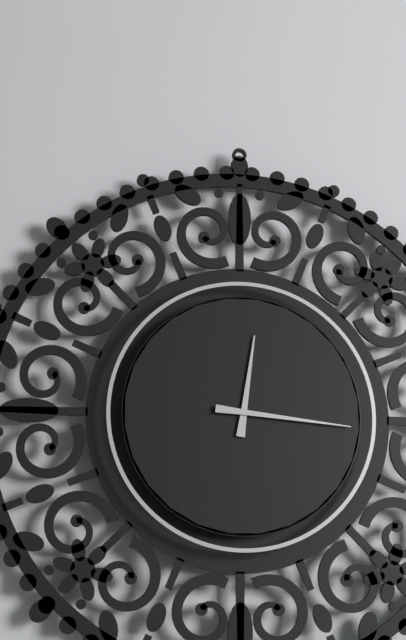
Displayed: 12 h 16 min
